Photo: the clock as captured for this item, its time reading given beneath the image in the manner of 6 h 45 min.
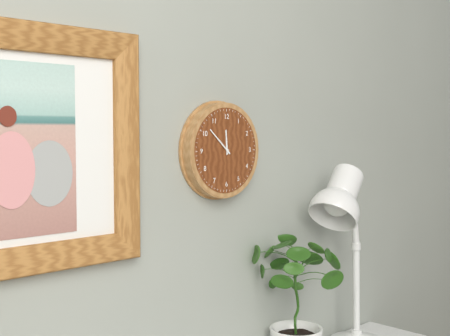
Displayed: 11 h 52 min
